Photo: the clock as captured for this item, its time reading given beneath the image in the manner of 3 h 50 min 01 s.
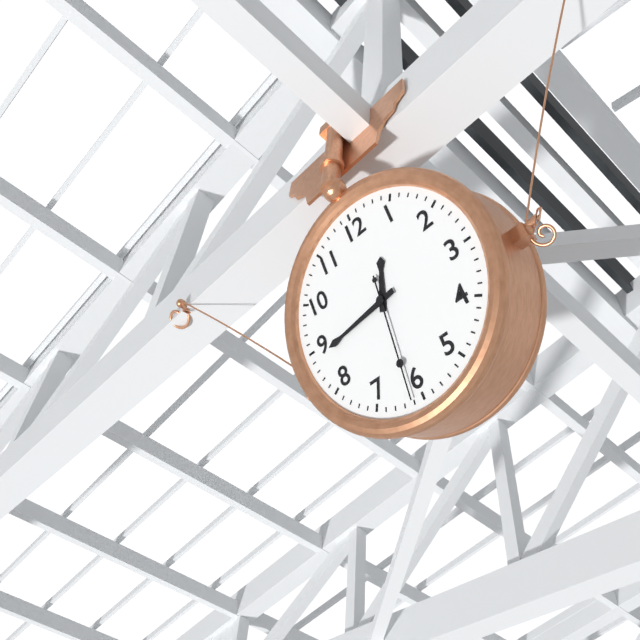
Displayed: 12 h 44 min 31 s
